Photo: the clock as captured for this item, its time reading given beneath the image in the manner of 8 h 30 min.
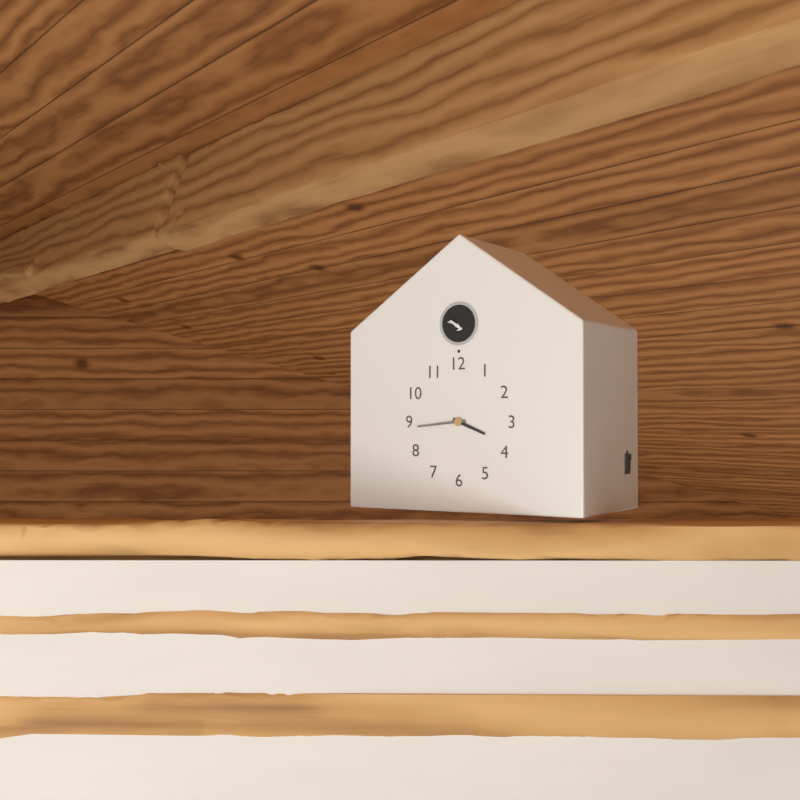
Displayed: 3 h 44 min
